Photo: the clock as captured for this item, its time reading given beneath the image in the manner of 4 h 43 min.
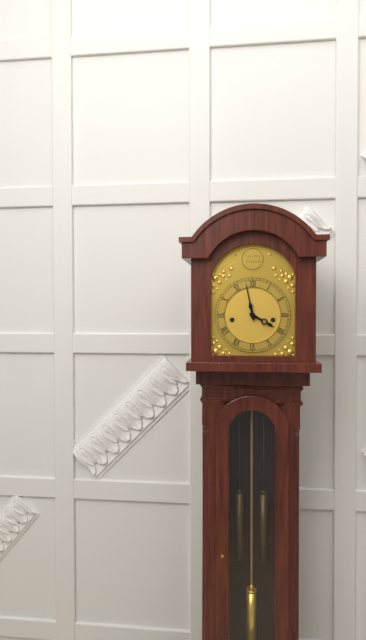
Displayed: 3 h 58 min
